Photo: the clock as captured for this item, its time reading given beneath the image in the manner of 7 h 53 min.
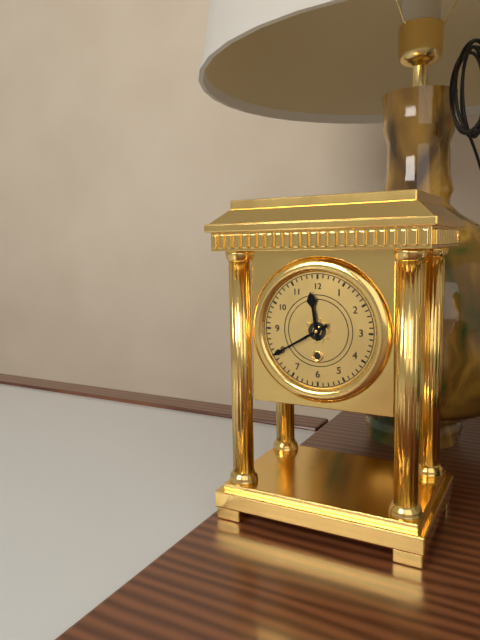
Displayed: 11 h 40 min
